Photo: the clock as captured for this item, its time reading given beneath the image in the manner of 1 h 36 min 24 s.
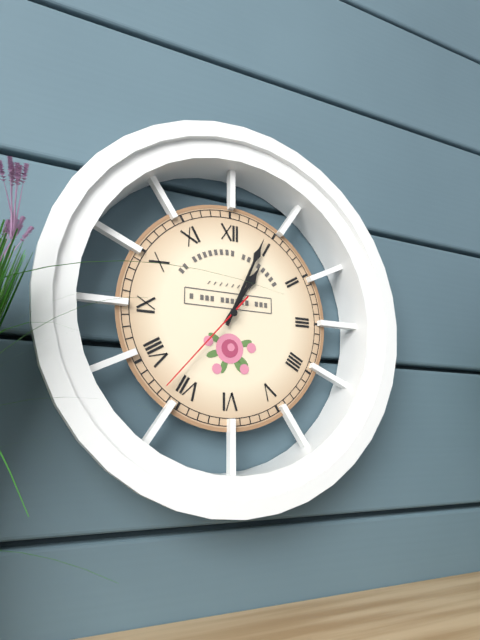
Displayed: 1 h 04 min 37 s
